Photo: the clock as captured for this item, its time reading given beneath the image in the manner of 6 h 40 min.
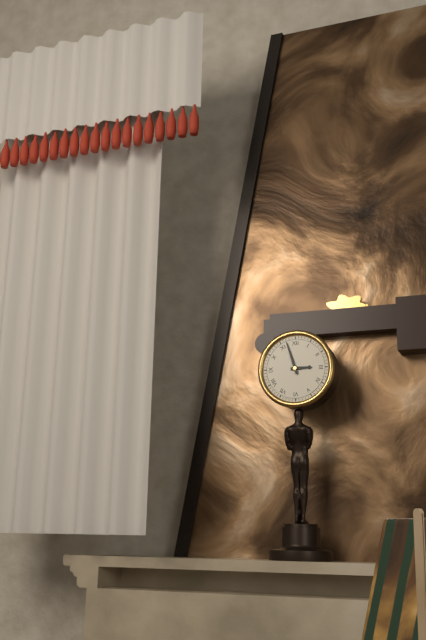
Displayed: 2 h 57 min
